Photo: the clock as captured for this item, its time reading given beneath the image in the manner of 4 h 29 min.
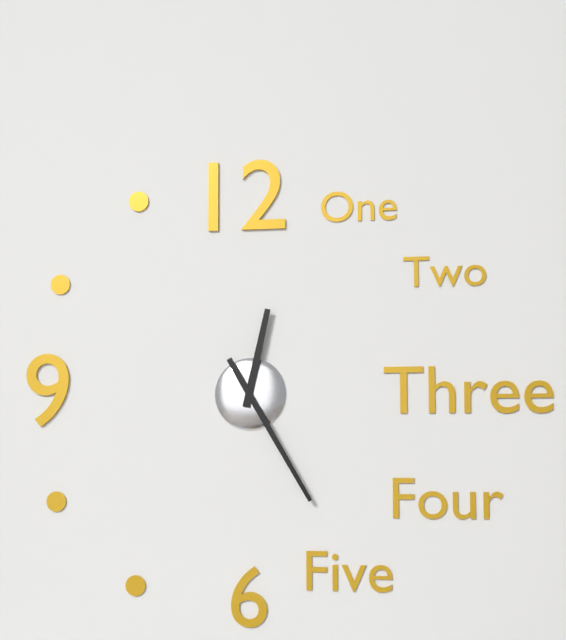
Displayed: 12 h 25 min
